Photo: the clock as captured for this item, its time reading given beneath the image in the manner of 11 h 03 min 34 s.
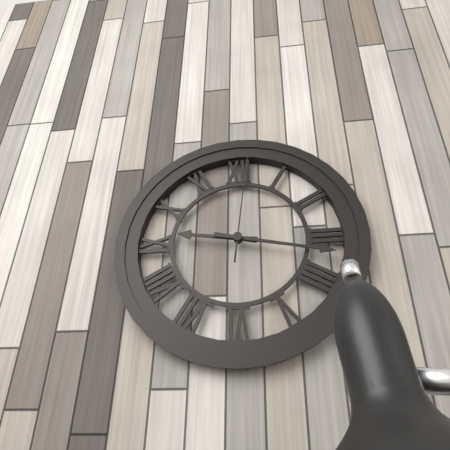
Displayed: 9 h 17 min 01 s
